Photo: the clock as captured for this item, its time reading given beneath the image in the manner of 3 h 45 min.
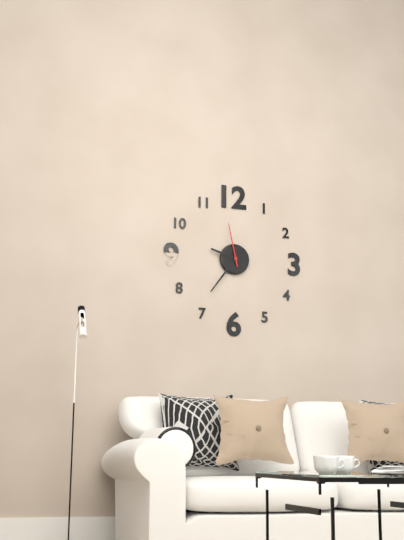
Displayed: 9 h 36 min
